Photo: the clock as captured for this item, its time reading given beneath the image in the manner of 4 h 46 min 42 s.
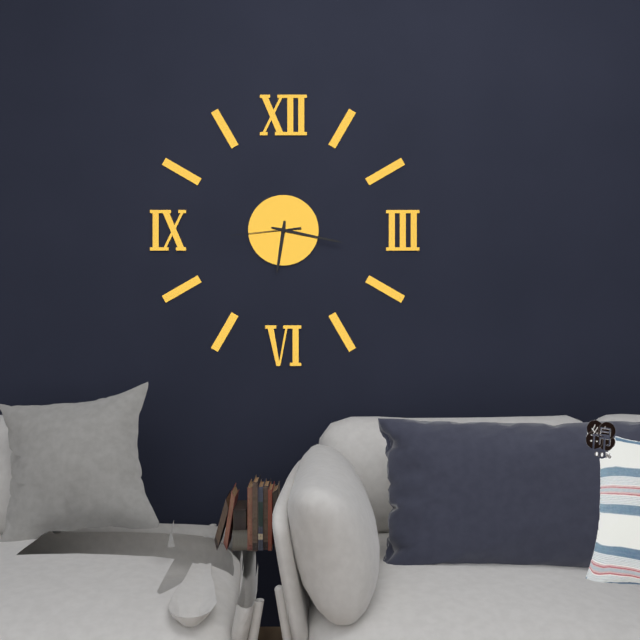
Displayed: 6 h 17 min 44 s
